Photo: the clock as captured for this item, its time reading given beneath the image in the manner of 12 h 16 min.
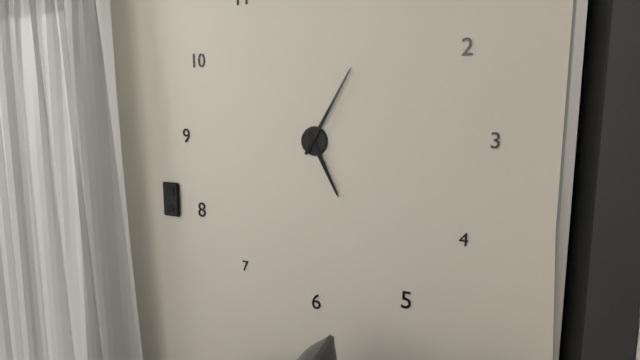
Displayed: 5 h 05 min
